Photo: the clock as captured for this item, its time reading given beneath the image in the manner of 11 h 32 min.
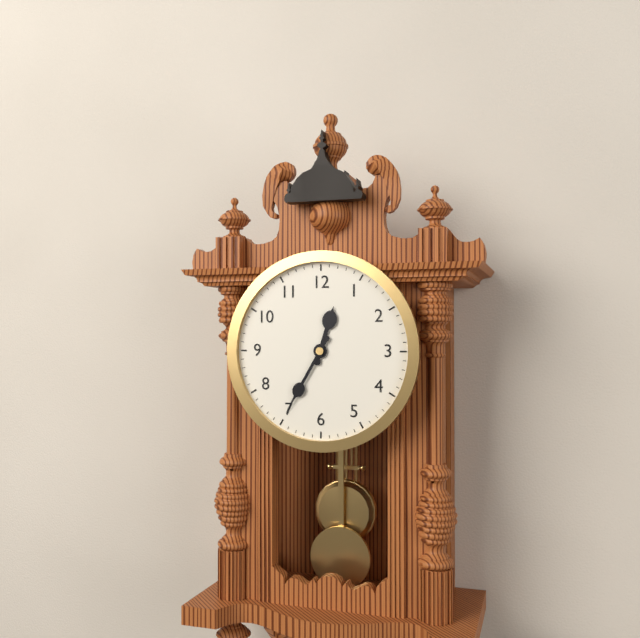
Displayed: 12 h 35 min
